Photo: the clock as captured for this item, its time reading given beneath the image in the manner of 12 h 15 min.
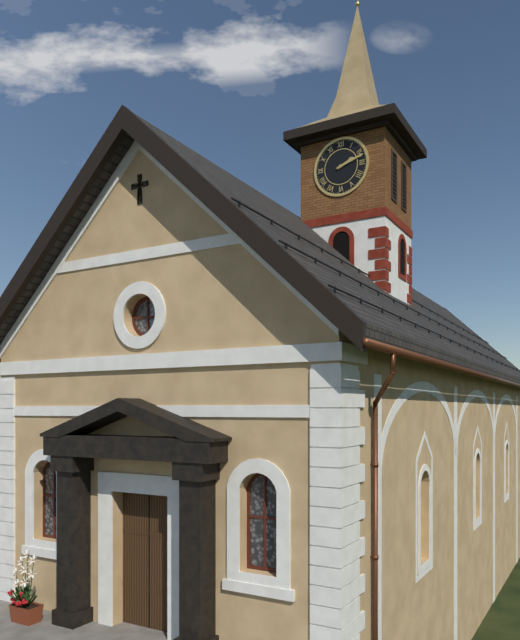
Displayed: 2 h 12 min
